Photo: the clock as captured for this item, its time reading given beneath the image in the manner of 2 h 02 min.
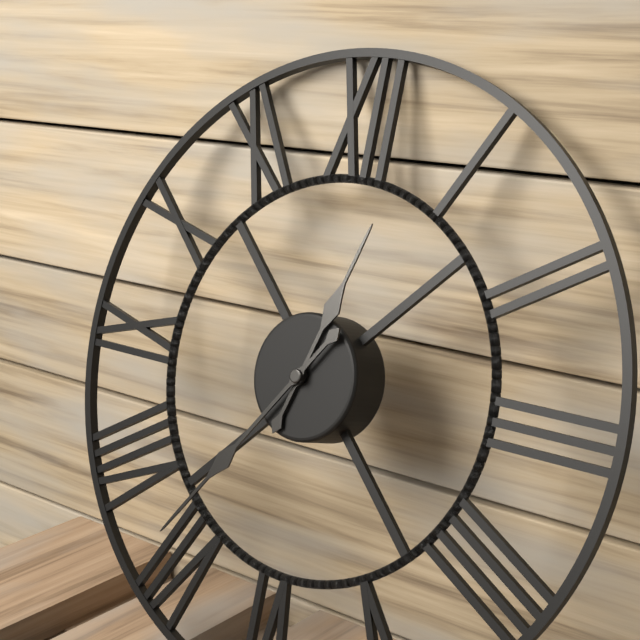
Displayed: 12 h 36 min
